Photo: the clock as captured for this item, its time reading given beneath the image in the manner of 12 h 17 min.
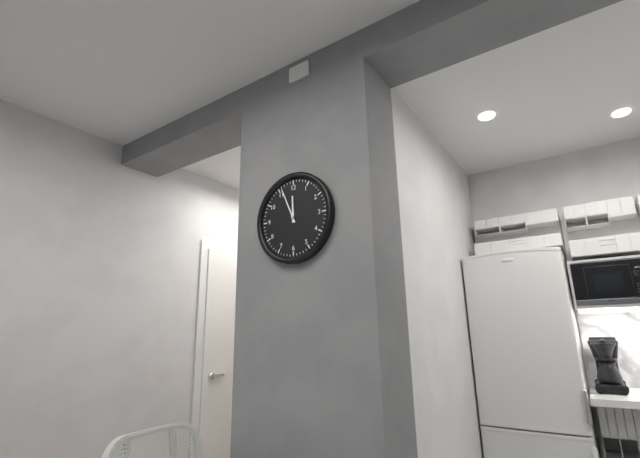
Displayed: 11 h 56 min
